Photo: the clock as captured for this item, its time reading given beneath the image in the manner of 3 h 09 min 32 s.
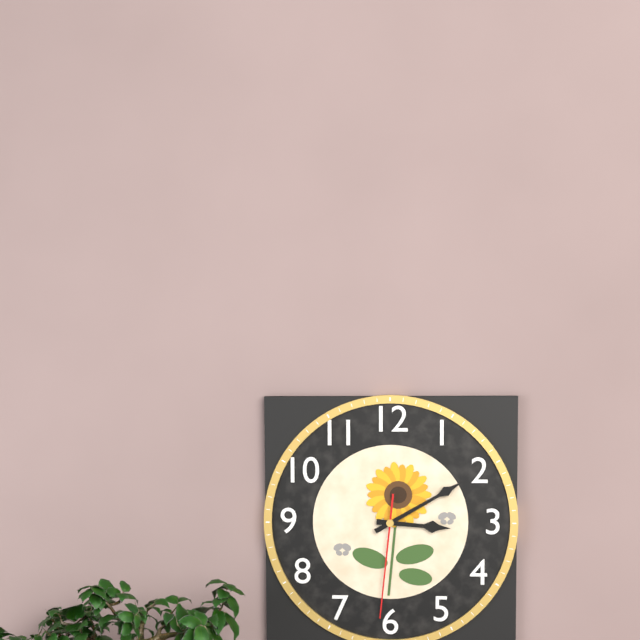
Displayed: 3 h 10 min 31 s
